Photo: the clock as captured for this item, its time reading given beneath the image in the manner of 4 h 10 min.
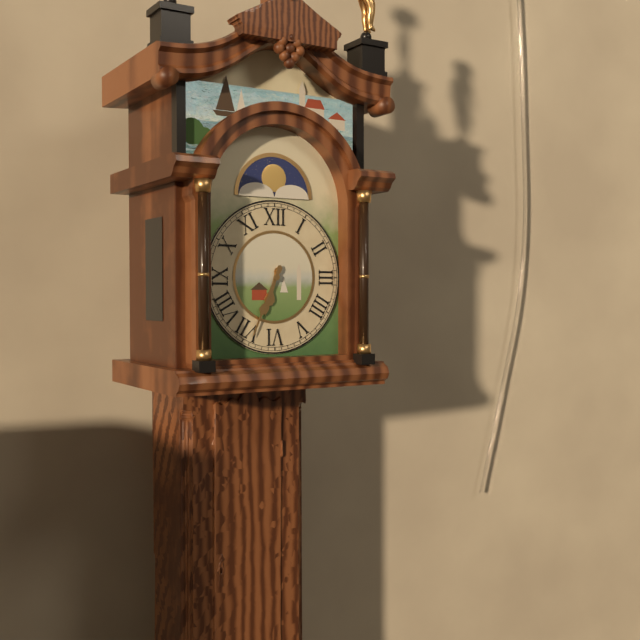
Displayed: 6 h 34 min
